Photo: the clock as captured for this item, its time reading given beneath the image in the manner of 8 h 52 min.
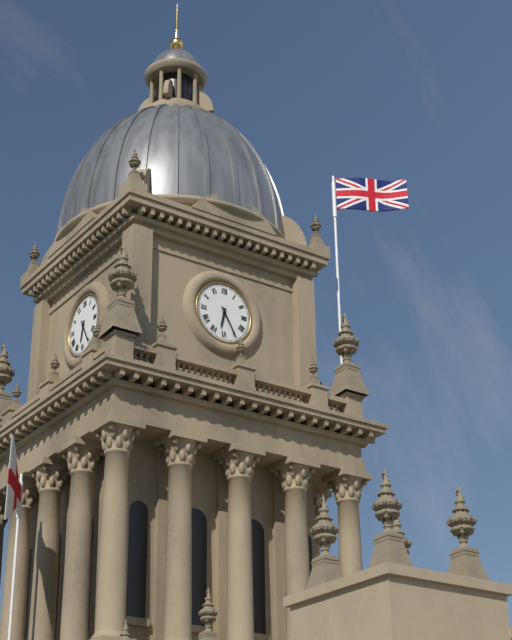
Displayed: 6 h 25 min
